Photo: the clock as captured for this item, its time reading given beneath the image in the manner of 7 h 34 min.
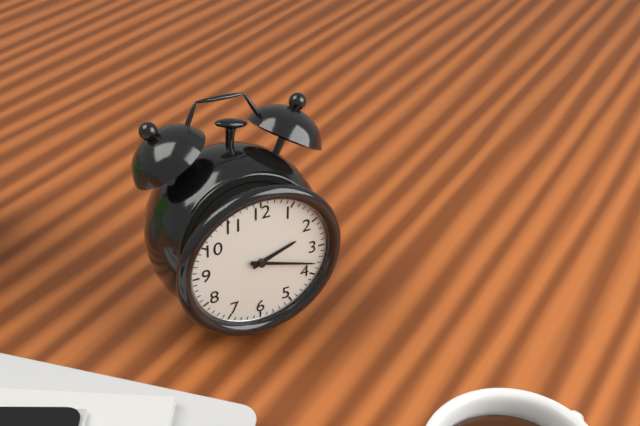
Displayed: 2 h 18 min
